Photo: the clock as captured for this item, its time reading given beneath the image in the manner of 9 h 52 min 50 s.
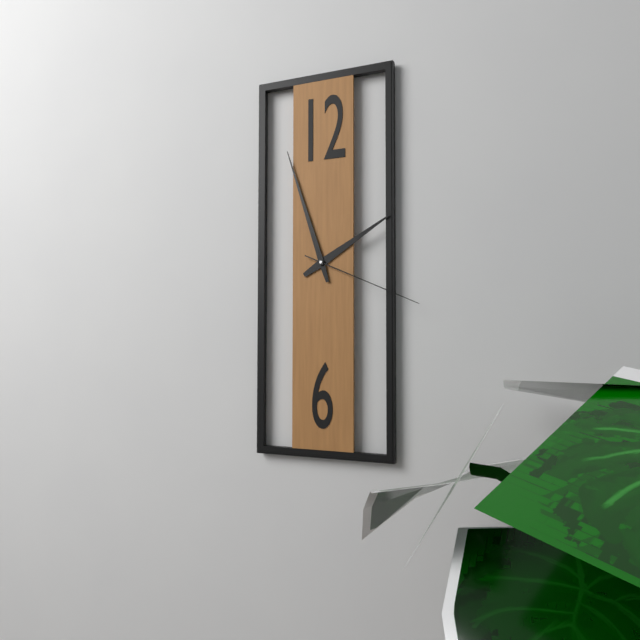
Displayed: 1 h 57 min 19 s
